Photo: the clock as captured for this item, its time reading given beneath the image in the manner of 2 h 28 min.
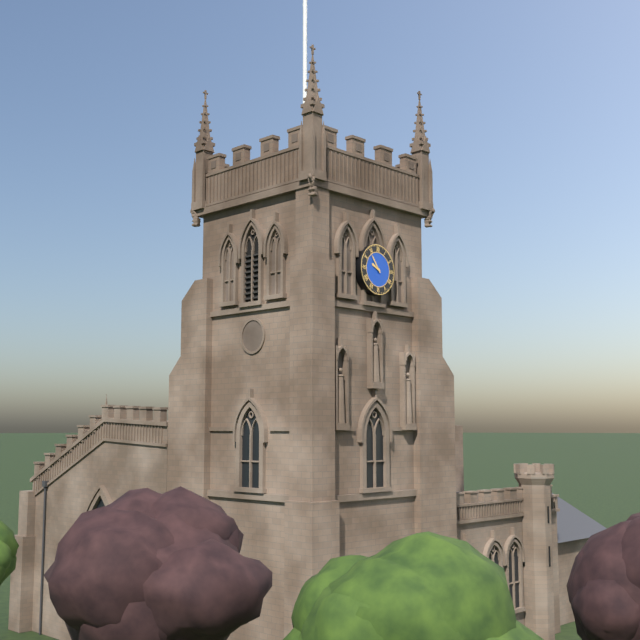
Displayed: 9 h 54 min
